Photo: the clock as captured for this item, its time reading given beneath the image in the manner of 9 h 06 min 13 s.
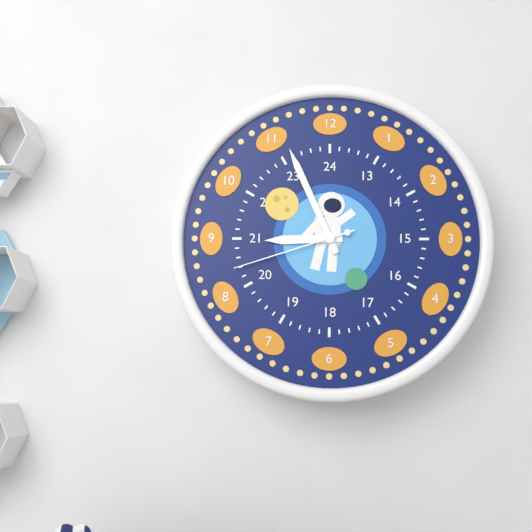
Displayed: 8 h 56 min 42 s
